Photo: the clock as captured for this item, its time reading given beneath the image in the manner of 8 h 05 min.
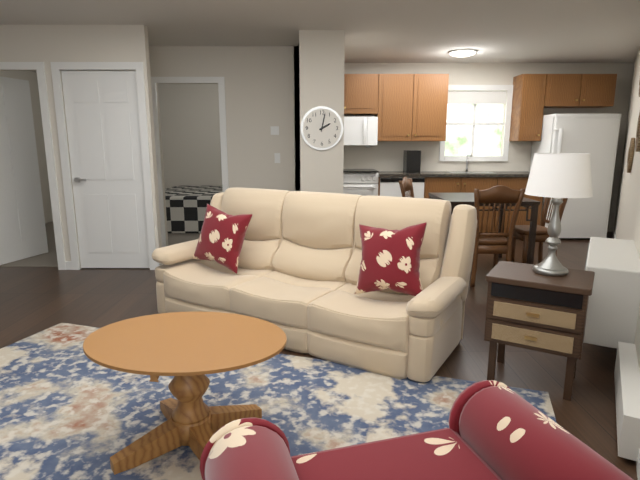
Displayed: 2 h 02 min
